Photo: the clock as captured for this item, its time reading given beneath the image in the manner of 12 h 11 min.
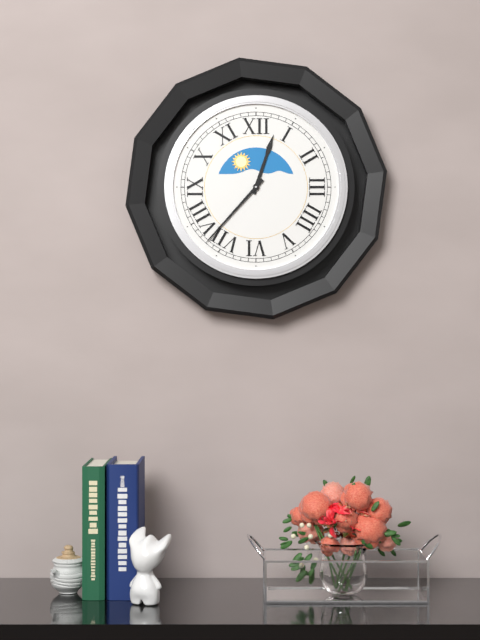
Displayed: 12 h 37 min
